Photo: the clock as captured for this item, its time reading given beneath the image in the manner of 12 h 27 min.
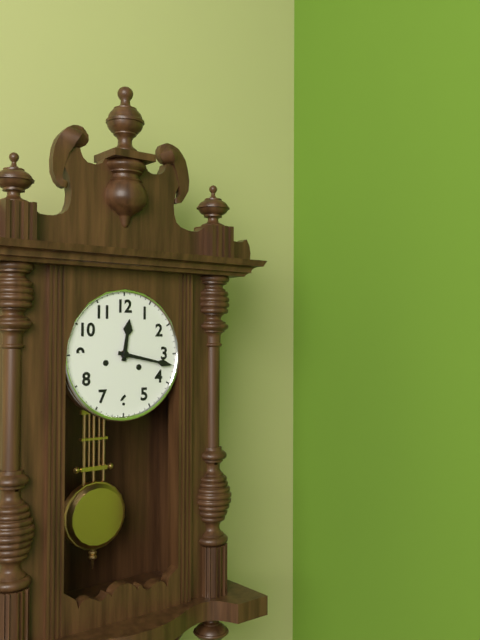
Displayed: 12 h 17 min
